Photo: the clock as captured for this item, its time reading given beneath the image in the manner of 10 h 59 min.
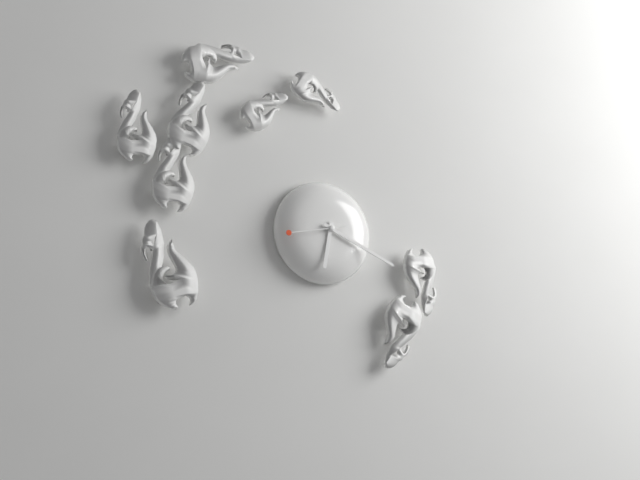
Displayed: 6 h 19 min
